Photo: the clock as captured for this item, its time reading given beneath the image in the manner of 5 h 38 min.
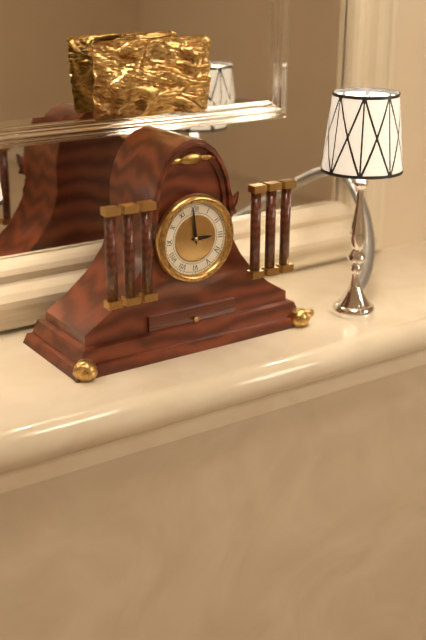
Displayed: 2 h 59 min
